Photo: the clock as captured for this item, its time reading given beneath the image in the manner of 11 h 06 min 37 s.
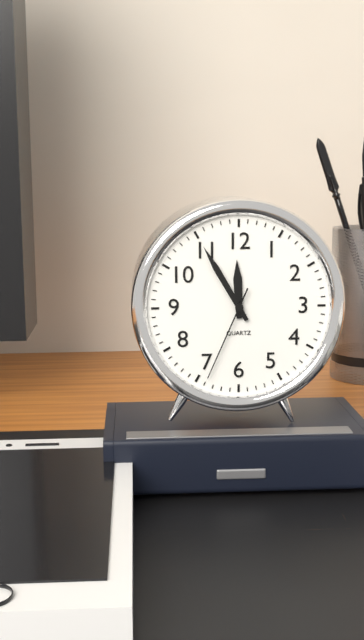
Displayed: 11 h 55 min 34 s
